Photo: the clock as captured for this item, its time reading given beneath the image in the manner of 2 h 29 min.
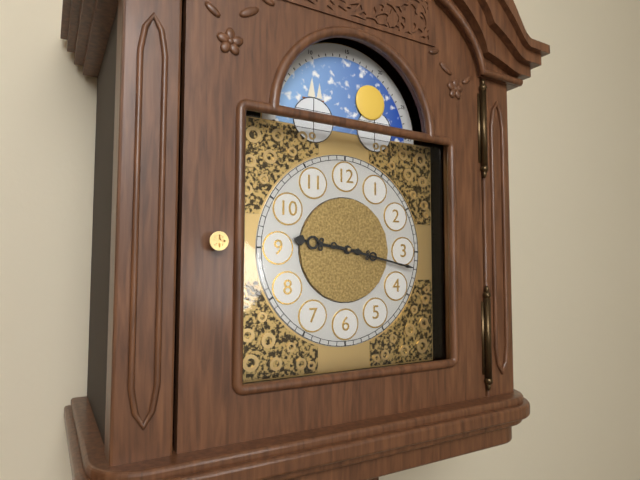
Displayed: 9 h 17 min
